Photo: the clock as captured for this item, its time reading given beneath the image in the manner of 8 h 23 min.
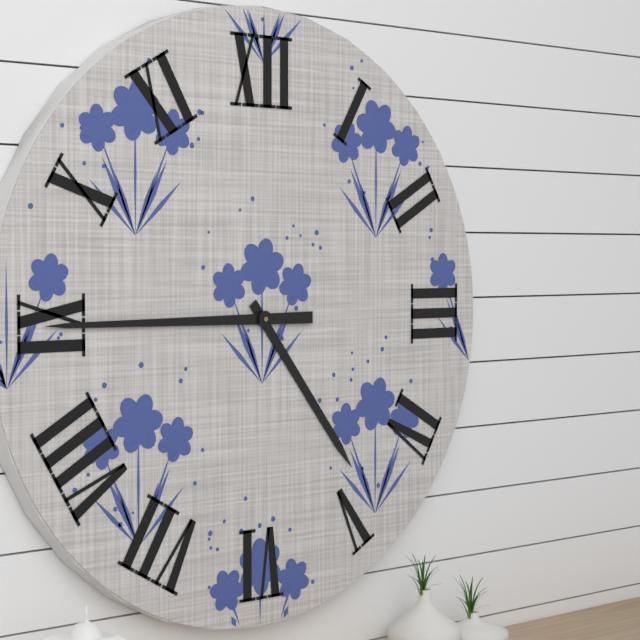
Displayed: 4 h 45 min
